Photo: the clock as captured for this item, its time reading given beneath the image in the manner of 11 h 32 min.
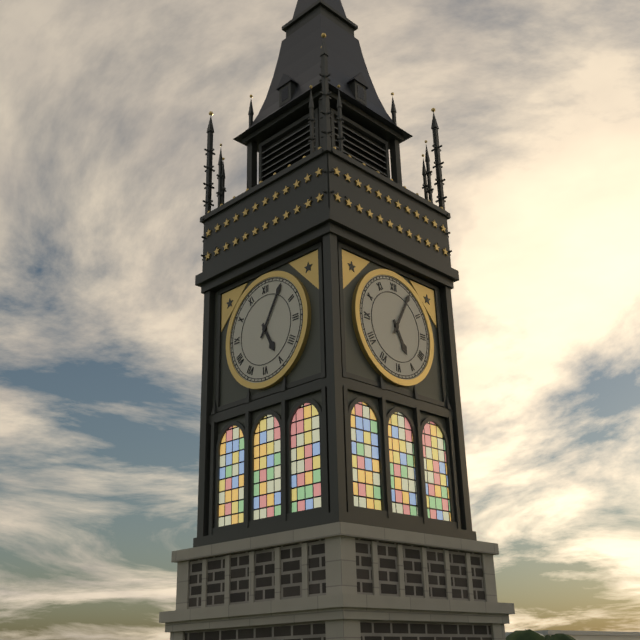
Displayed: 5 h 05 min
